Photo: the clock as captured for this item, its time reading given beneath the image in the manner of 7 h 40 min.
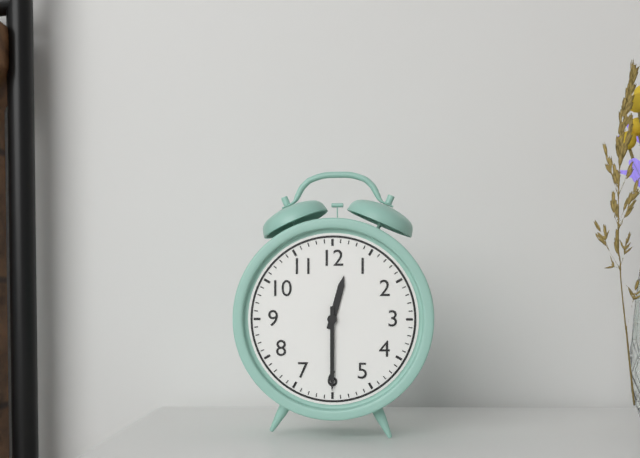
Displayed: 12 h 30 min
